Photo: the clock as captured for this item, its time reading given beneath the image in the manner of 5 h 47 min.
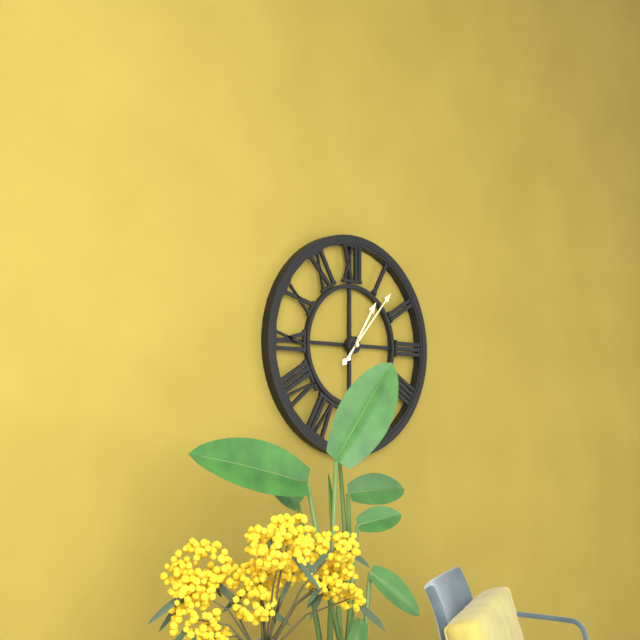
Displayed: 1 h 07 min
